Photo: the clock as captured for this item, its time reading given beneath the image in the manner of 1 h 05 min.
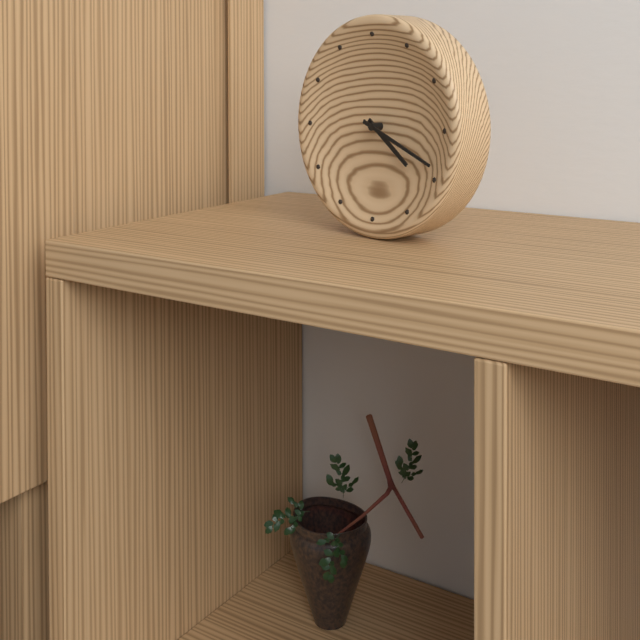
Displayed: 4 h 19 min
